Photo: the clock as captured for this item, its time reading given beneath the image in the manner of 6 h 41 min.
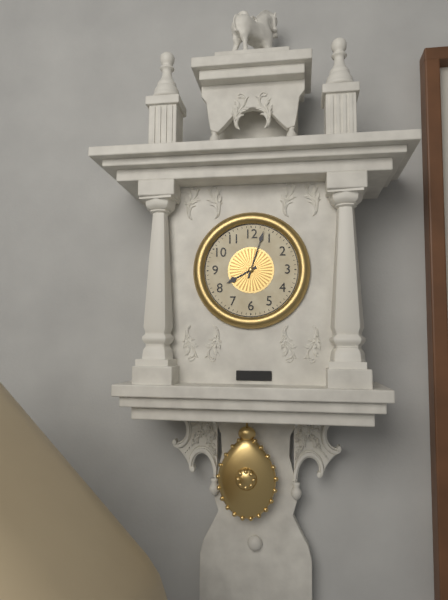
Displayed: 8 h 03 min
